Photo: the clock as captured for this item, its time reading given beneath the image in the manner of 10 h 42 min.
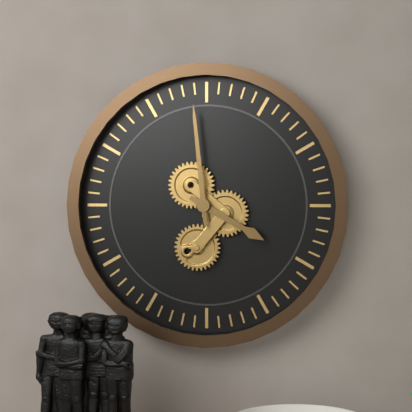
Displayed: 3 h 59 min
